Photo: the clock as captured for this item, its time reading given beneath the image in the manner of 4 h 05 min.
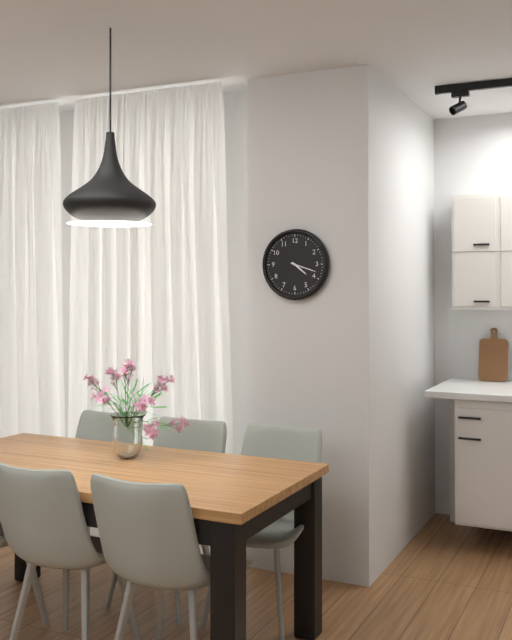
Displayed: 4 h 18 min
